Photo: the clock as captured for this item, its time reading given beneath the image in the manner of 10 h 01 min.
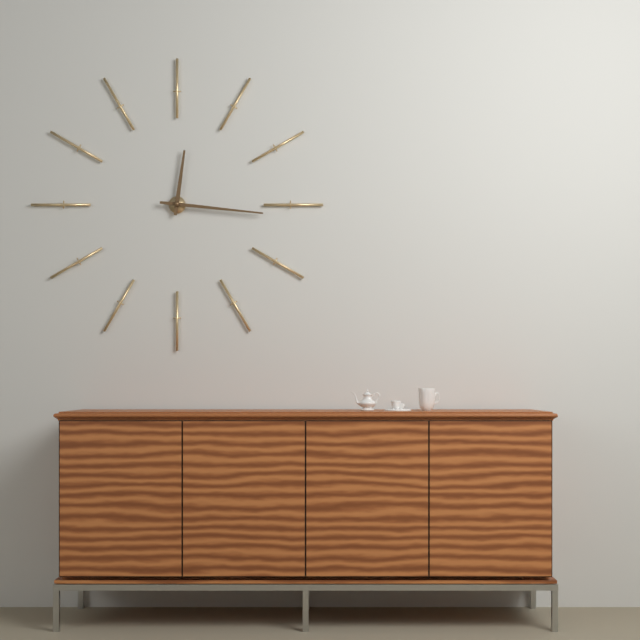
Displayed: 12 h 16 min
